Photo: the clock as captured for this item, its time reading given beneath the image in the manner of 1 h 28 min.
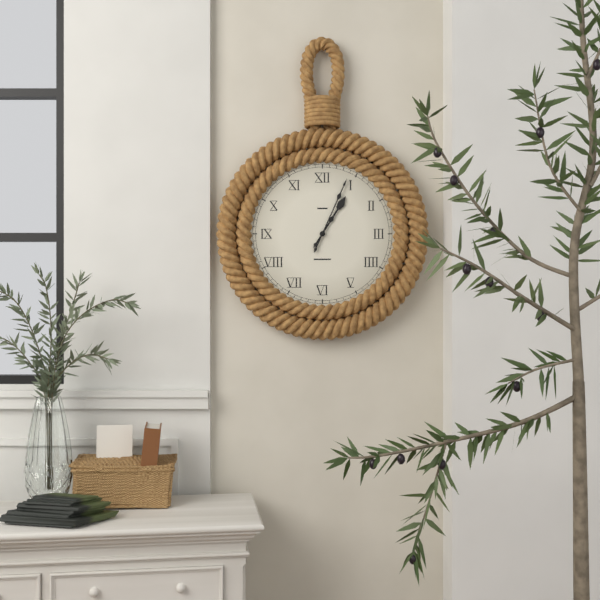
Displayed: 1 h 04 min
